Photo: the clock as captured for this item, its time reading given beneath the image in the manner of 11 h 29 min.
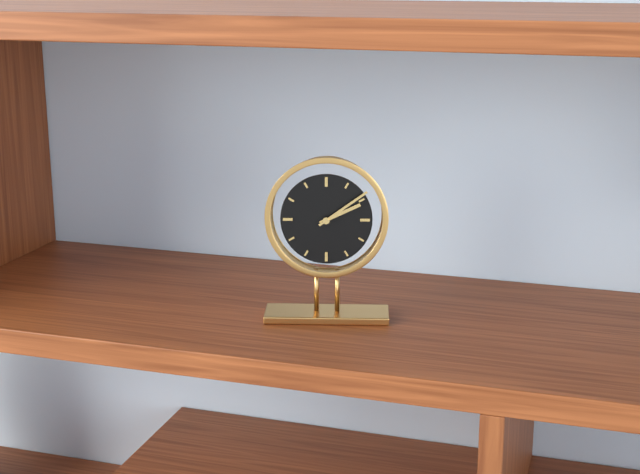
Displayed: 2 h 09 min
